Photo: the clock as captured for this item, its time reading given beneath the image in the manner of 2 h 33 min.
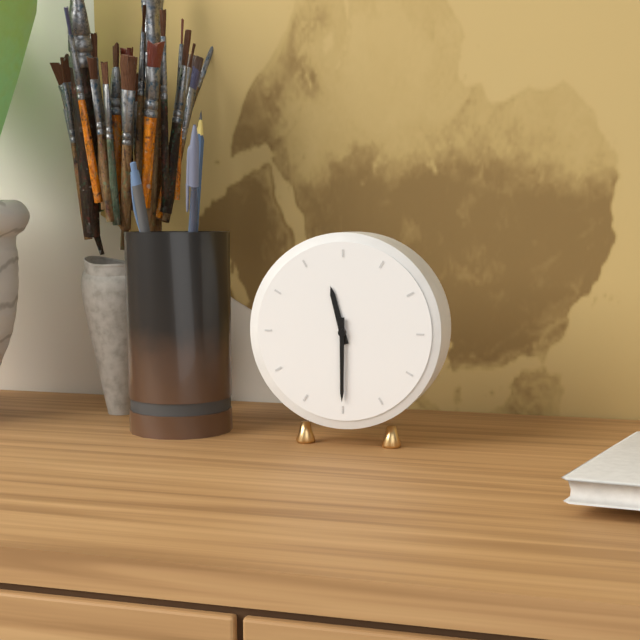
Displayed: 11 h 30 min
